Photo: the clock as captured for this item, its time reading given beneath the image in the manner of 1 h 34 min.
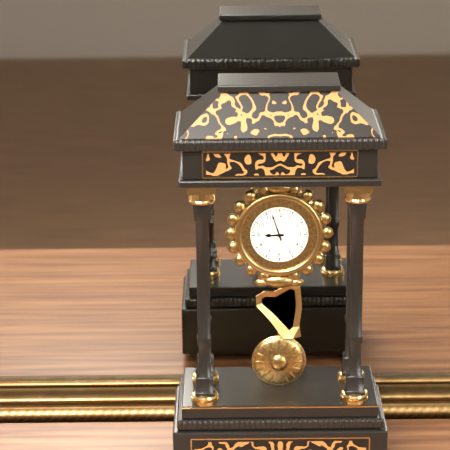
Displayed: 8 h 57 min
